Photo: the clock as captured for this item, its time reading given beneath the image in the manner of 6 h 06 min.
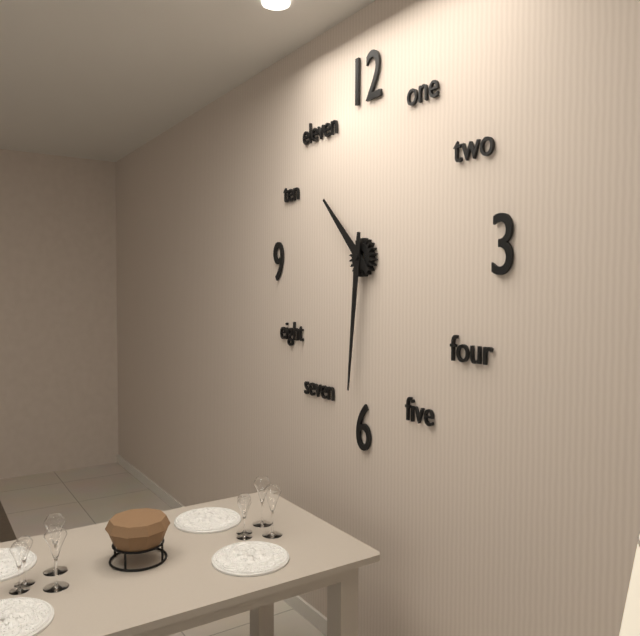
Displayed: 10 h 31 min
